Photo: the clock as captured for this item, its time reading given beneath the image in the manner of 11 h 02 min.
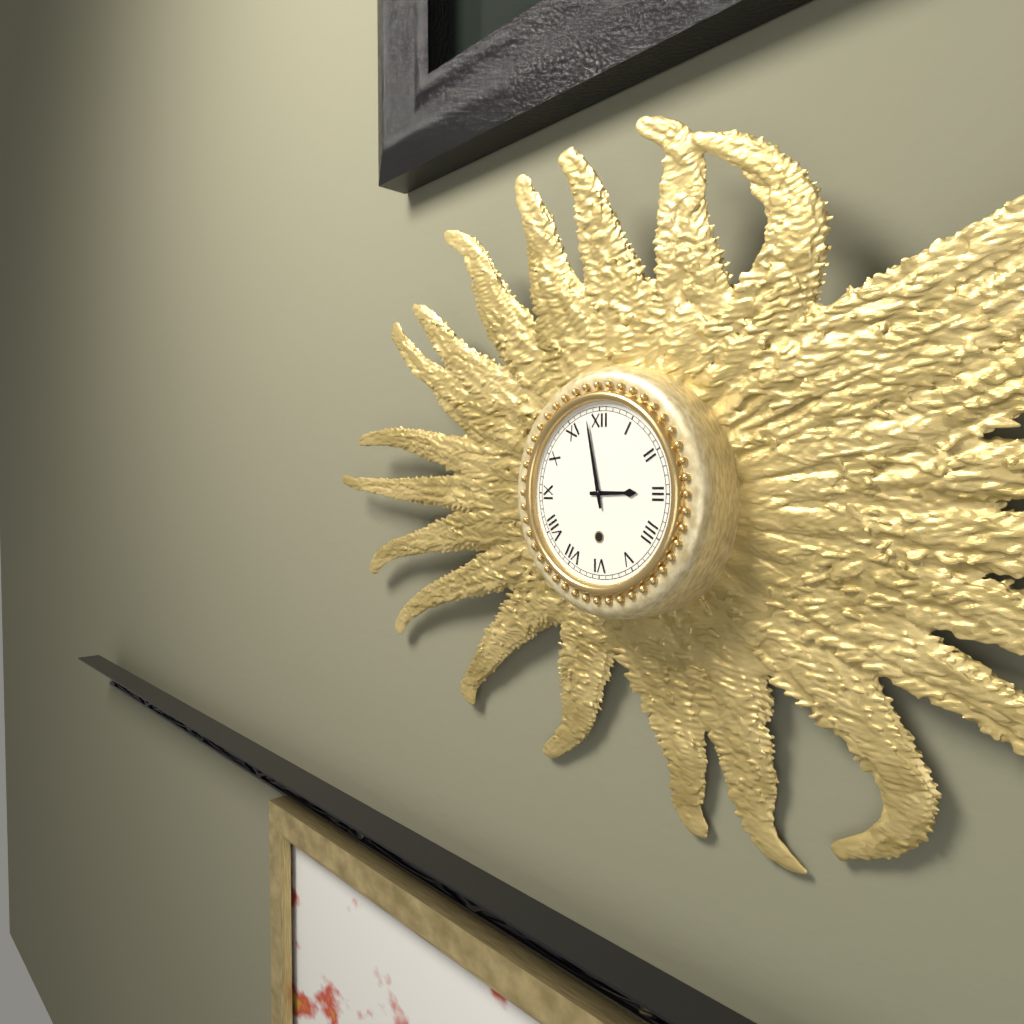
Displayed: 2 h 58 min
